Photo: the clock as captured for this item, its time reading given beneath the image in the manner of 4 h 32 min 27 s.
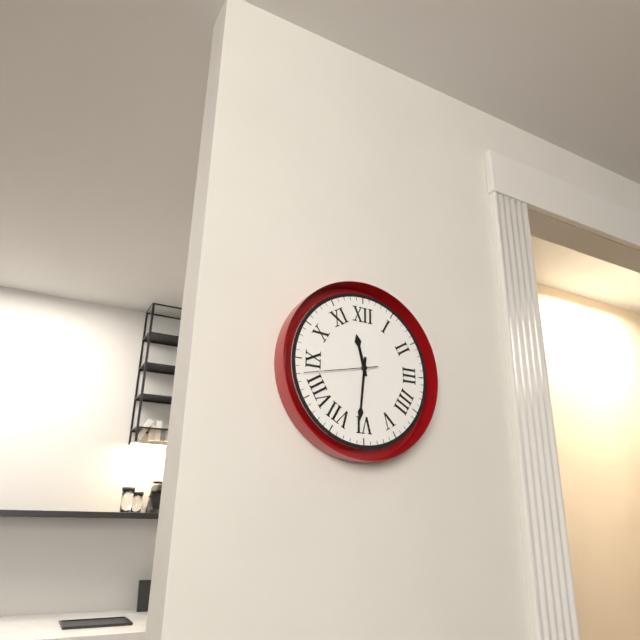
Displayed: 11 h 31 min 43 s
